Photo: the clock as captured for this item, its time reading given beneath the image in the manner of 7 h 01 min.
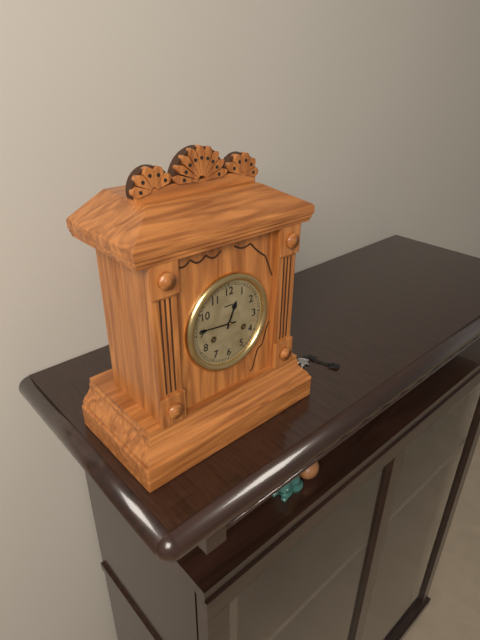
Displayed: 12 h 46 min
